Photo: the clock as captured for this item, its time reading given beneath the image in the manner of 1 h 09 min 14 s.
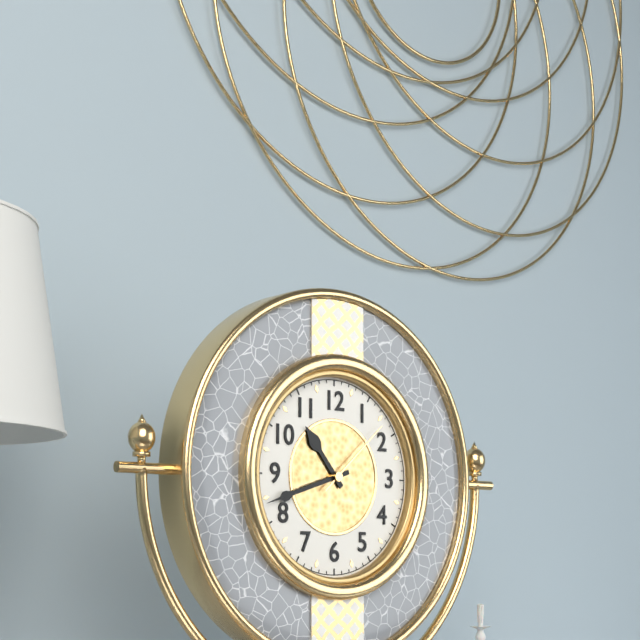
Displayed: 10 h 42 min 08 s
